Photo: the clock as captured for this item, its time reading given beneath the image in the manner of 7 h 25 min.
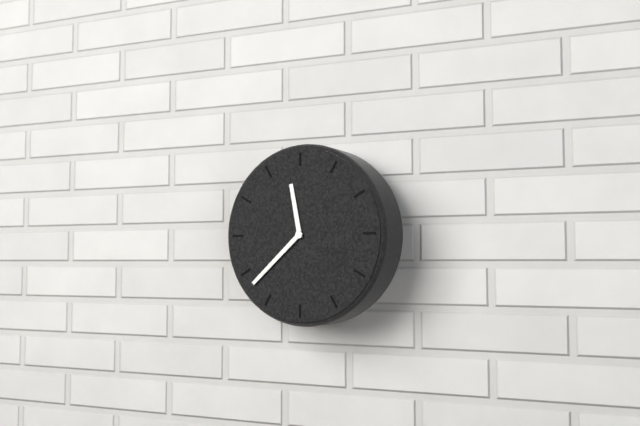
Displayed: 11 h 38 min
